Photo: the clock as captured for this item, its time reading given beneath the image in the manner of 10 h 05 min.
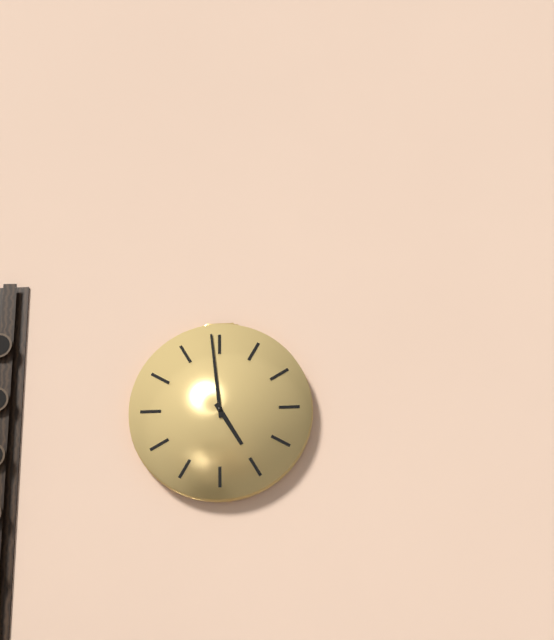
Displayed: 4 h 59 min
